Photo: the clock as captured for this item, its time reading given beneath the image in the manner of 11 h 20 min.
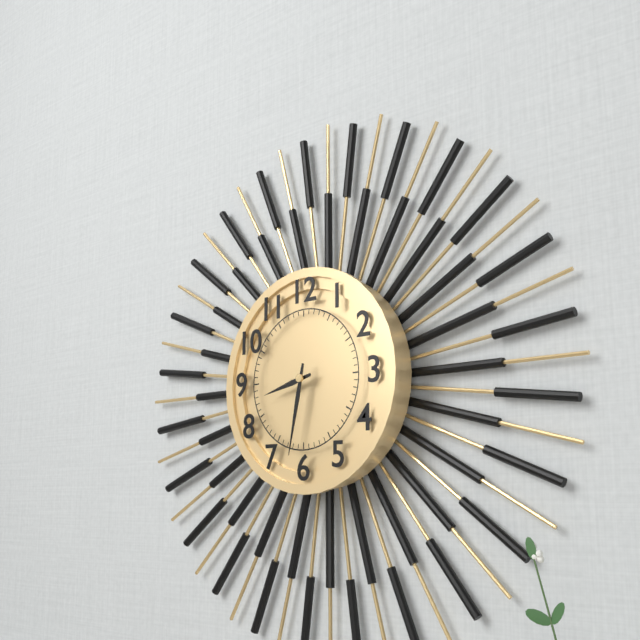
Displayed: 8 h 32 min
